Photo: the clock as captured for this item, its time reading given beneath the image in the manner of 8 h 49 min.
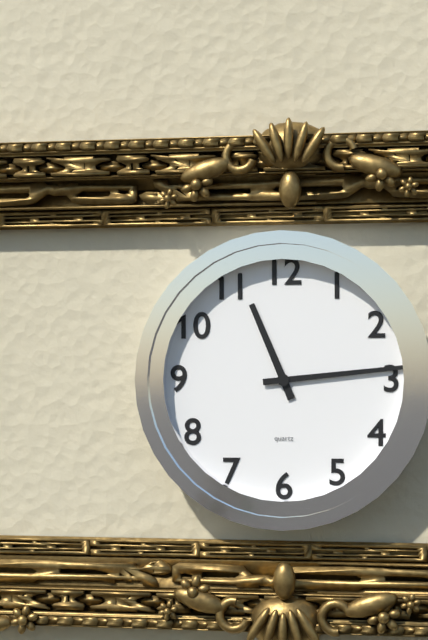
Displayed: 11 h 14 min
